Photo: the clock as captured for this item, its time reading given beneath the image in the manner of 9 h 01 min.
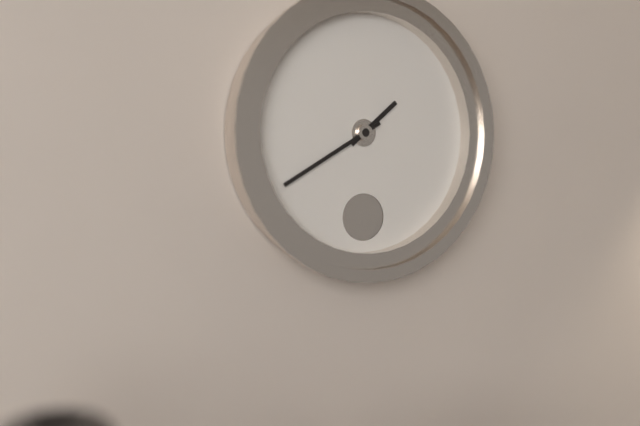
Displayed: 1 h 40 min
